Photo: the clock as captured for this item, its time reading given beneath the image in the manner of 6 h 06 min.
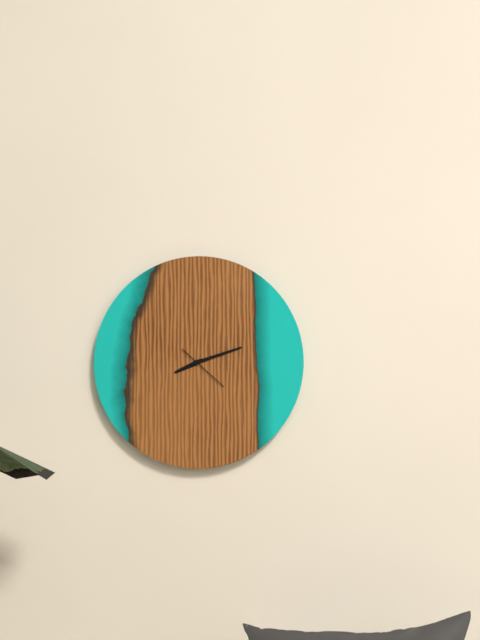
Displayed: 8 h 12 min
